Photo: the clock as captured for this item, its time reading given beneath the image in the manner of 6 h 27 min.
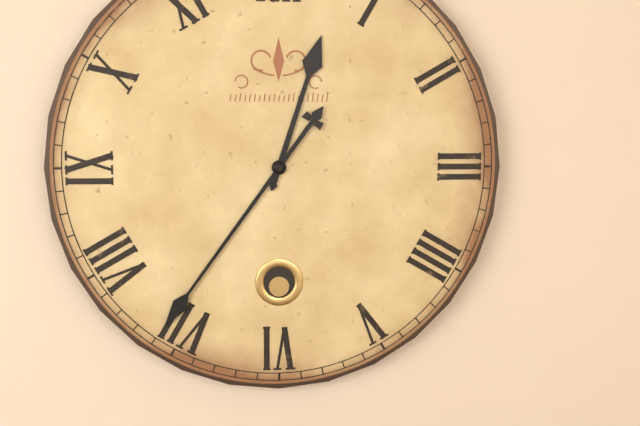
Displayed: 12 h 36 min
